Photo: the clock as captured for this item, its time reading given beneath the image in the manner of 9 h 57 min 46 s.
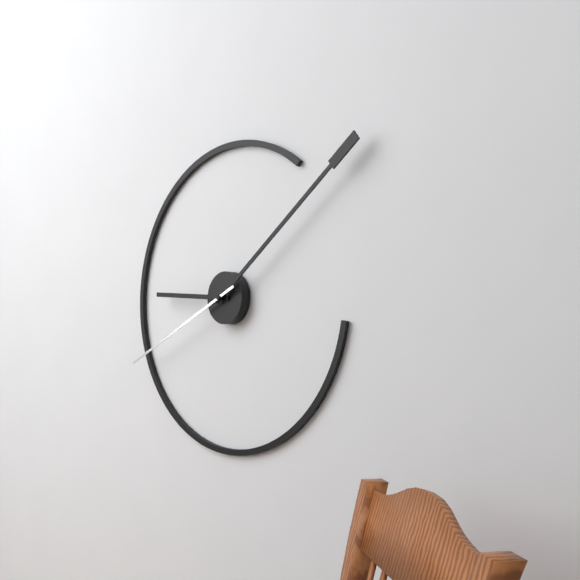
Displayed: 9 h 09 min 41 s
